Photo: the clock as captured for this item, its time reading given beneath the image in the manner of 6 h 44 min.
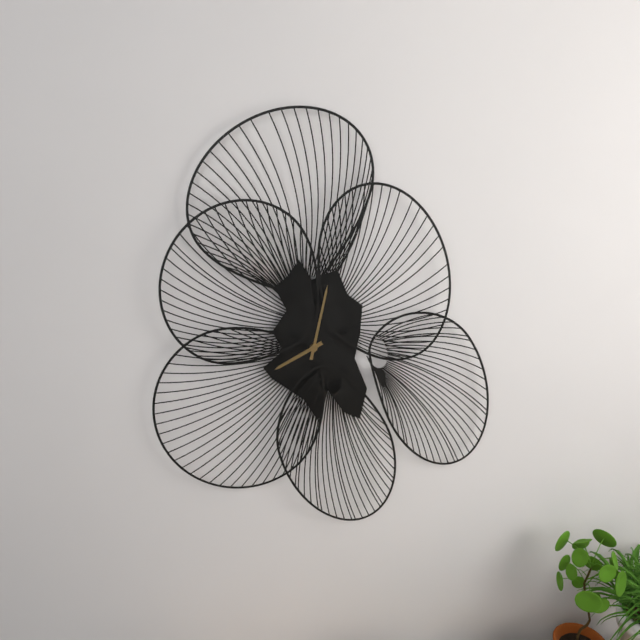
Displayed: 8 h 02 min
